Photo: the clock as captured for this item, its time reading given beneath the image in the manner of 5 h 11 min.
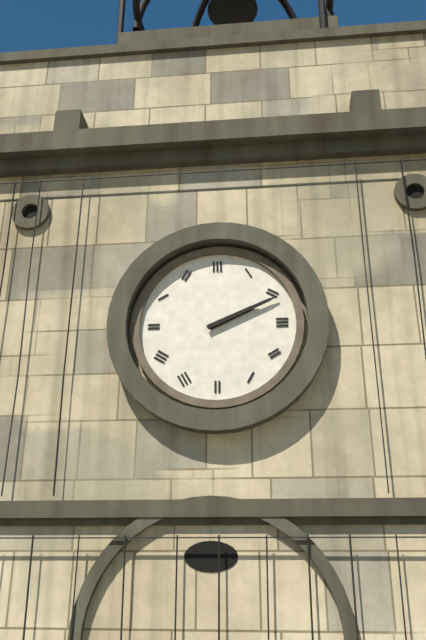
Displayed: 2 h 11 min
